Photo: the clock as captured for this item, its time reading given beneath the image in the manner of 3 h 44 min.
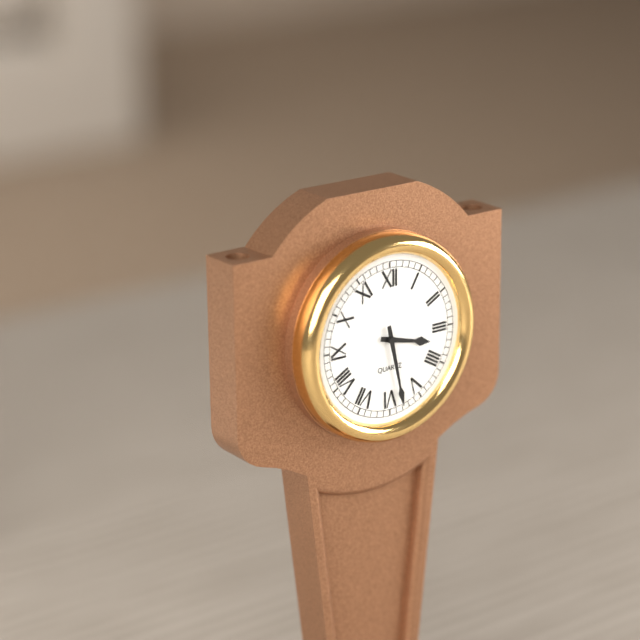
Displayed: 3 h 28 min
